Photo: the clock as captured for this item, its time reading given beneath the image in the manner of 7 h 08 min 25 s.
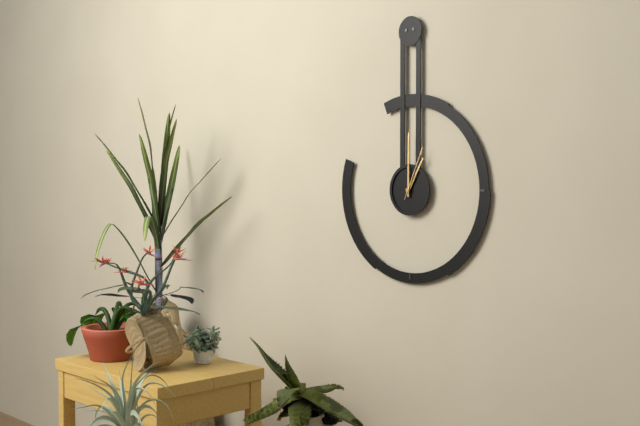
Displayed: 1 h 00 min 04 s
